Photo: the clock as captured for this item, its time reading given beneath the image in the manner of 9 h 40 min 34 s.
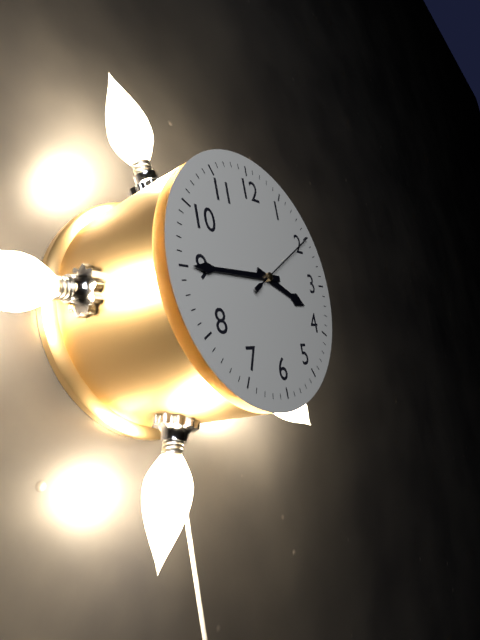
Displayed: 3 h 45 min 10 s
